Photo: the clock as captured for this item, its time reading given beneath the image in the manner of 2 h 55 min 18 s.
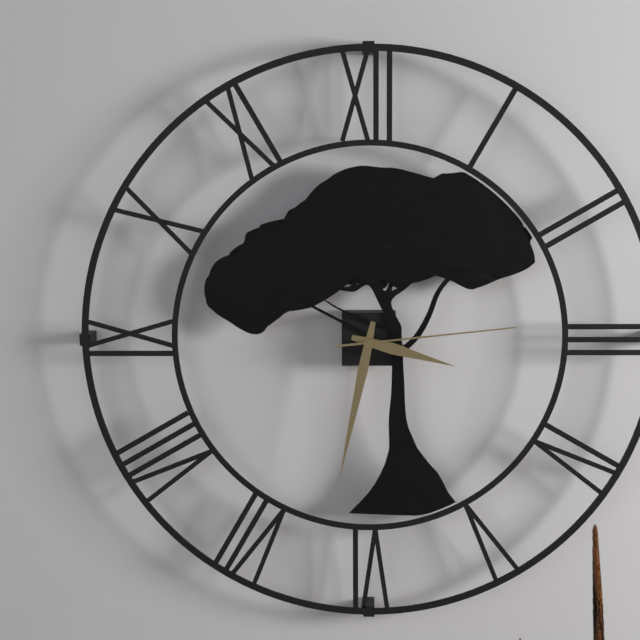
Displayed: 3 h 32 min 14 s
